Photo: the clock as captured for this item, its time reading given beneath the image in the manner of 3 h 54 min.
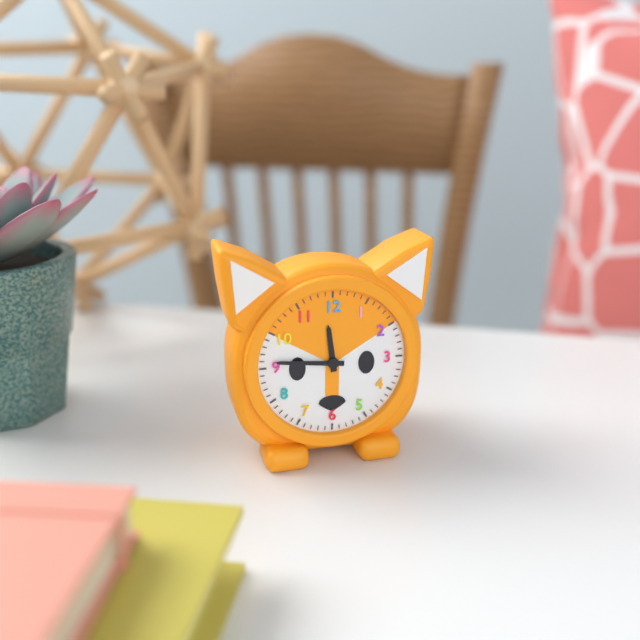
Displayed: 11 h 46 min
